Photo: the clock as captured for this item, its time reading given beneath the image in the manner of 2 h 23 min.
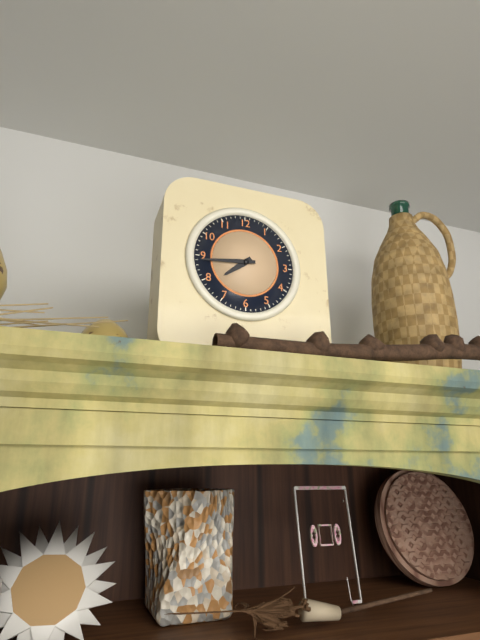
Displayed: 7 h 44 min
